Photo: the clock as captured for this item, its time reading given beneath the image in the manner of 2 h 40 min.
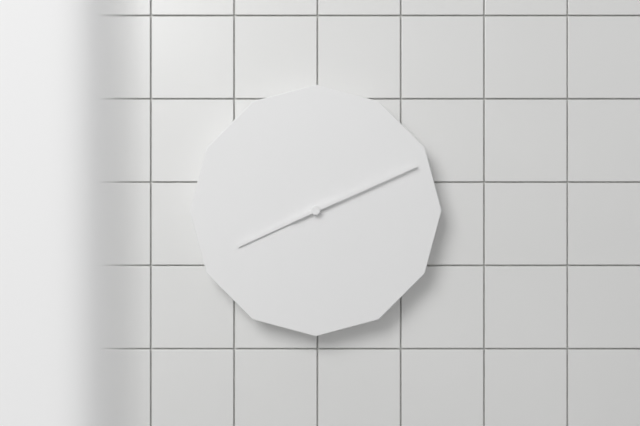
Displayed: 8 h 11 min
